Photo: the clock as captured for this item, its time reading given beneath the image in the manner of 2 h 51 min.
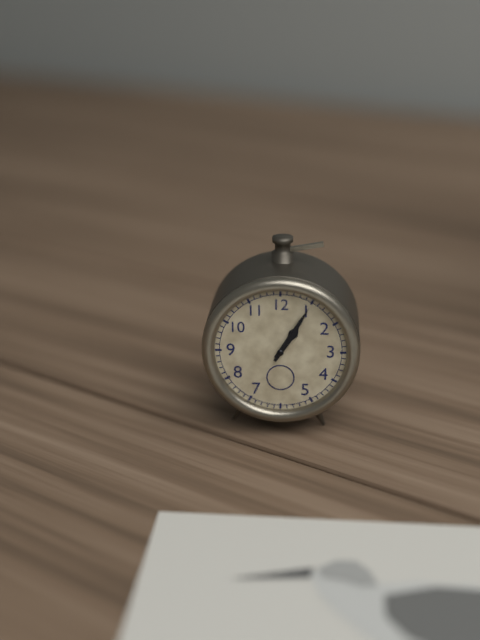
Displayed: 1 h 05 min
